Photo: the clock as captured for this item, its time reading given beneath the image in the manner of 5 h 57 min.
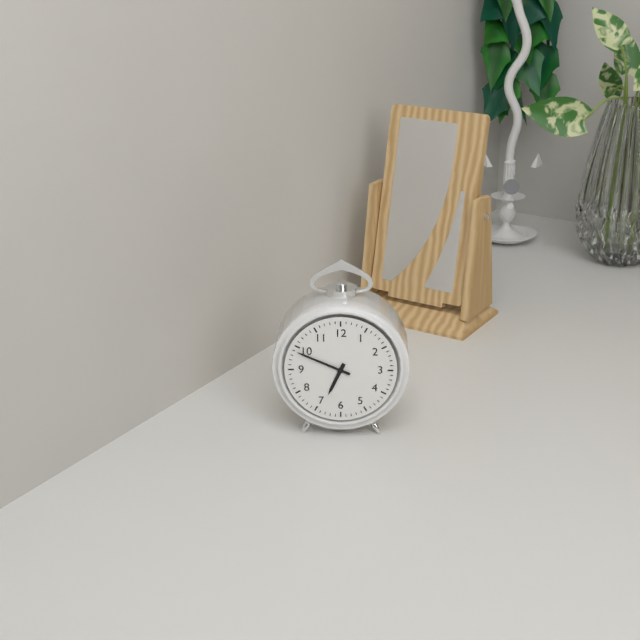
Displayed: 6 h 49 min
